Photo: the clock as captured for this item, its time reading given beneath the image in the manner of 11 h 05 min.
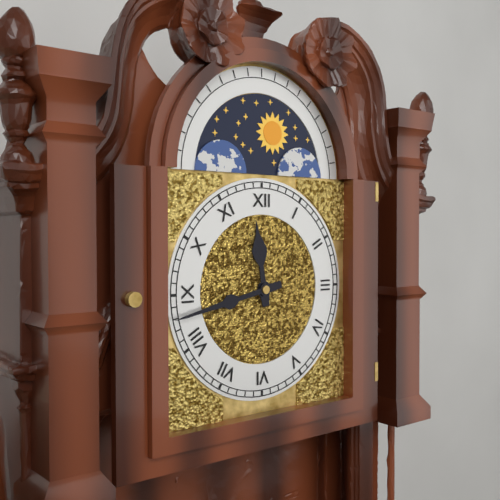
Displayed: 11 h 43 min
